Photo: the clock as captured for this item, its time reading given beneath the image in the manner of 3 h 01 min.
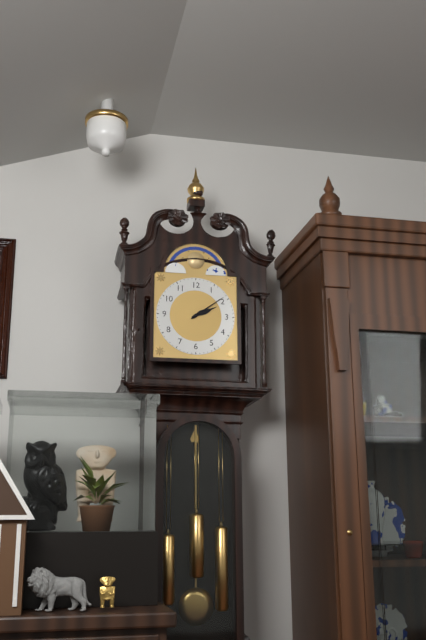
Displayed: 2 h 09 min
